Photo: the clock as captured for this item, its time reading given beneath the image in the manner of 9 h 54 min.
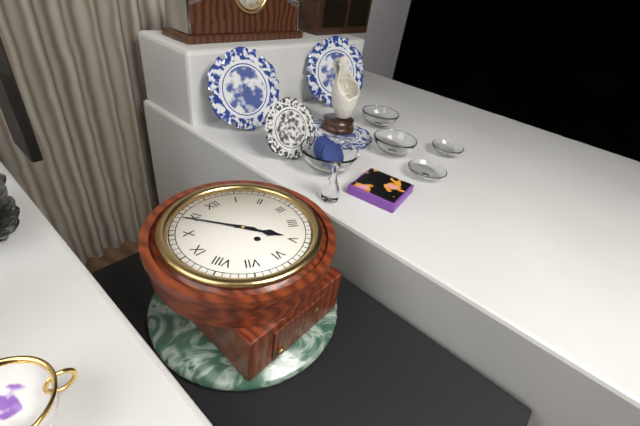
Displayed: 4 h 54 min
